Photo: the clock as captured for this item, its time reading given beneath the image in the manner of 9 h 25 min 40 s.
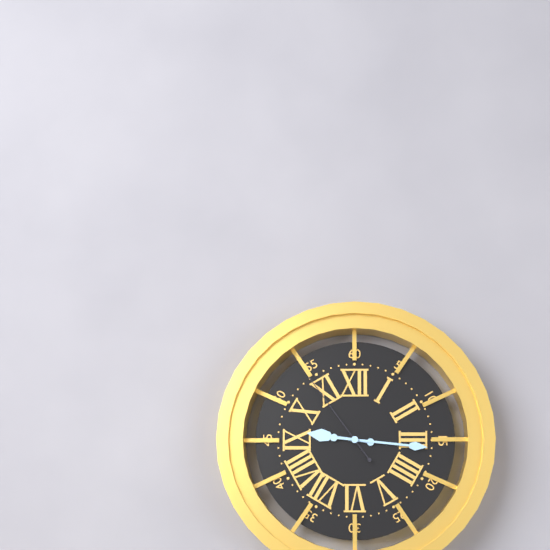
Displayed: 9 h 16 min 54 s
